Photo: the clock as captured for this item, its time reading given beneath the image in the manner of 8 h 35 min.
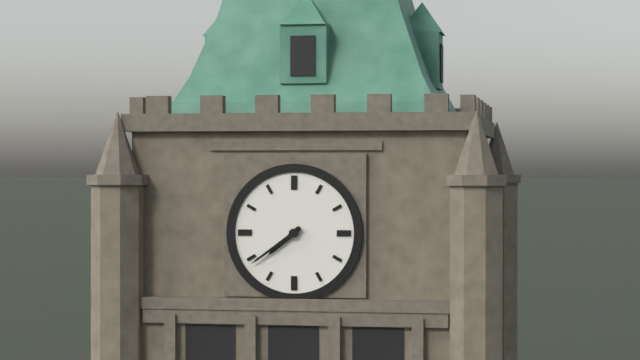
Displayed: 7 h 39 min
